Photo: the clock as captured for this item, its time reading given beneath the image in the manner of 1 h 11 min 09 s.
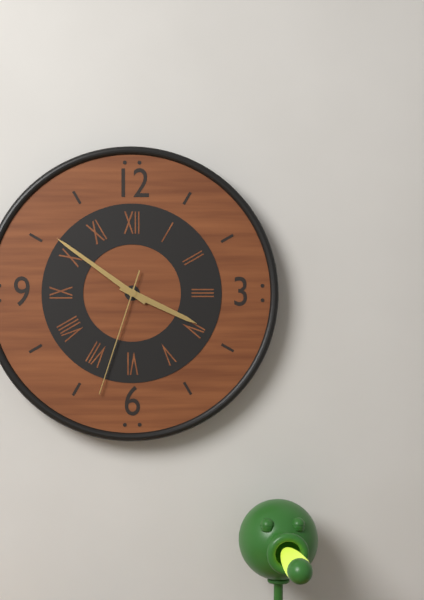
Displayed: 3 h 51 min 33 s
